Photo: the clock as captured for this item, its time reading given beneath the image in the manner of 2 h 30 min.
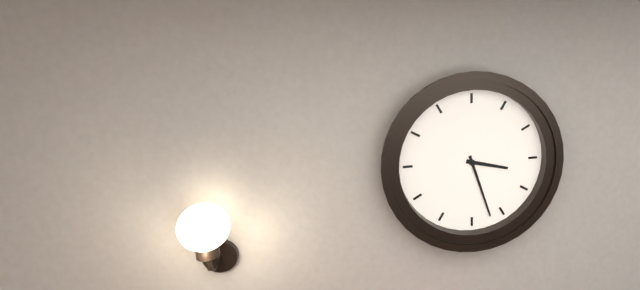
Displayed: 3 h 27 min
